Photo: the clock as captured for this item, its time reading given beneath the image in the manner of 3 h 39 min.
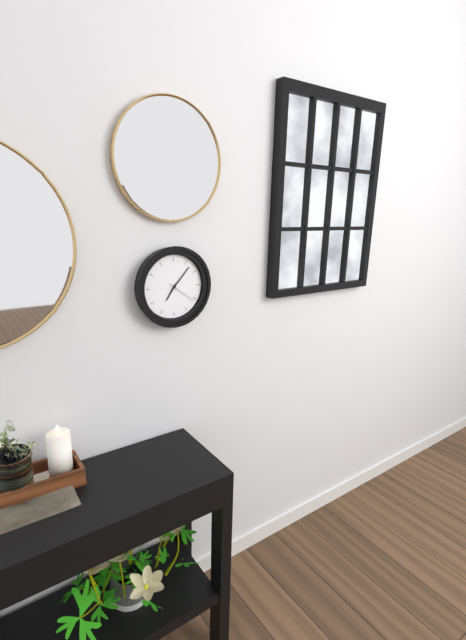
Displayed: 7 h 07 min
